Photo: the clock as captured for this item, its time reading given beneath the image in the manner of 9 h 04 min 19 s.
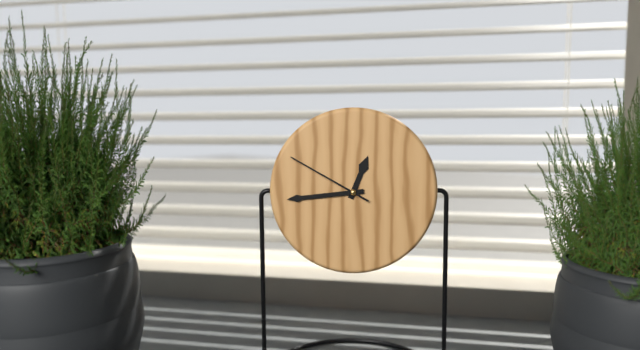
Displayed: 12 h 44 min 50 s
